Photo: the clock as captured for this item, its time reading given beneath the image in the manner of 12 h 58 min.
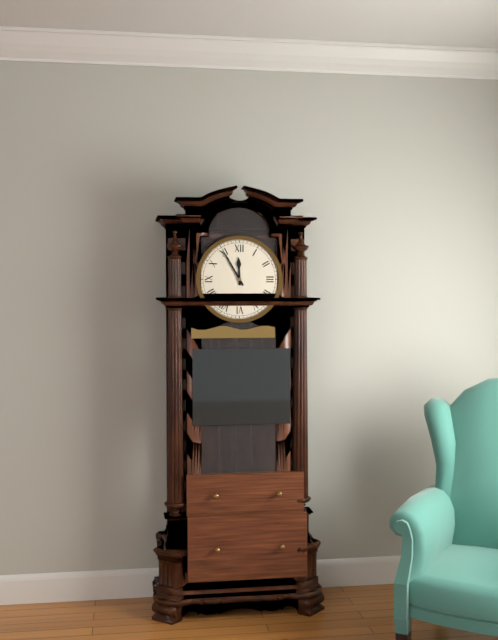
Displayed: 11 h 55 min
